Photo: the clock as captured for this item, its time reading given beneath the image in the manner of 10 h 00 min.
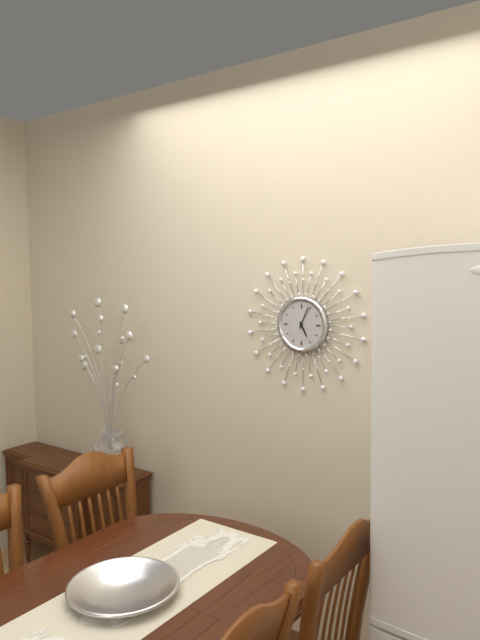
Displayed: 5 h 04 min
